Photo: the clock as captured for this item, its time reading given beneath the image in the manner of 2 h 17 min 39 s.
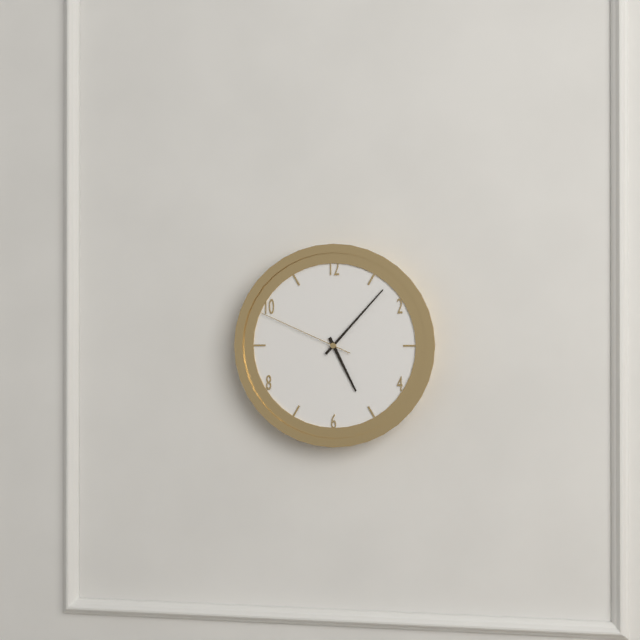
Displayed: 5 h 07 min 49 s
